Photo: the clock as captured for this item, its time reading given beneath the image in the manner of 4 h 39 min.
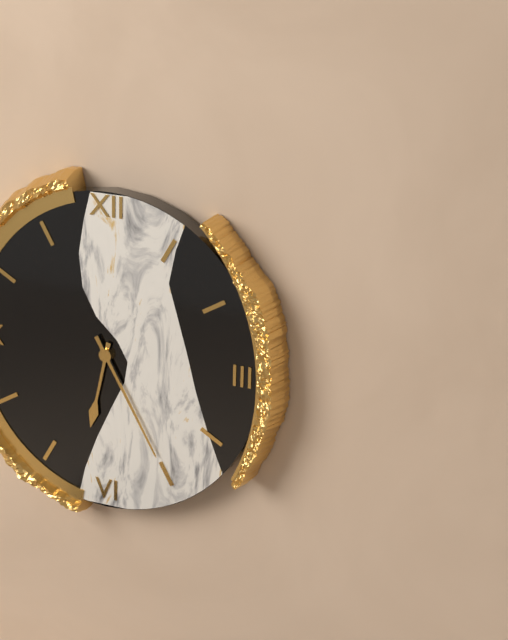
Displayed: 6 h 25 min
